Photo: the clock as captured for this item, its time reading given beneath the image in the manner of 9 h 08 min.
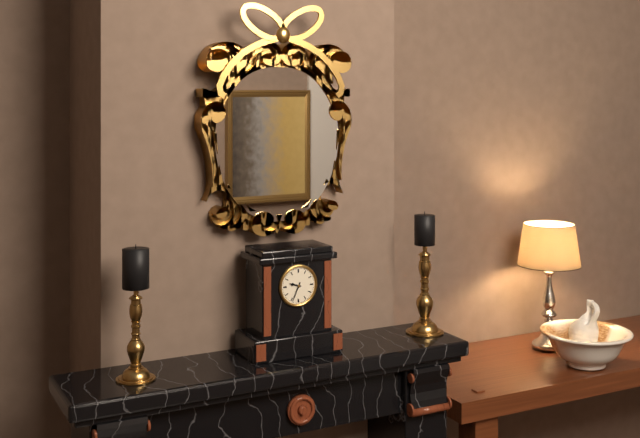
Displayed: 9 h 34 min
